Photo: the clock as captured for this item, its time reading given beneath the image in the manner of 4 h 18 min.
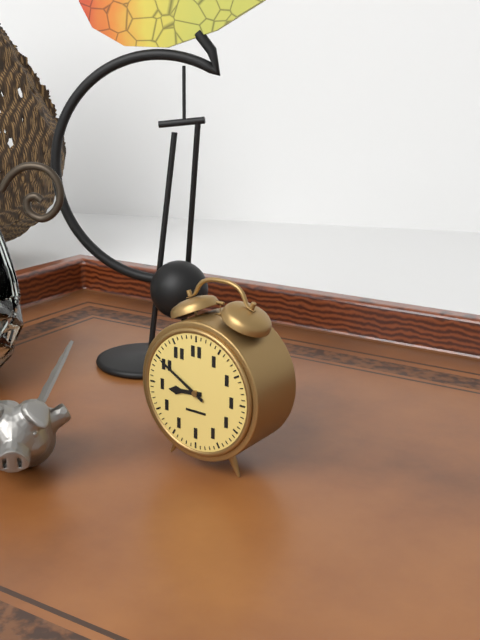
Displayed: 8 h 50 min
